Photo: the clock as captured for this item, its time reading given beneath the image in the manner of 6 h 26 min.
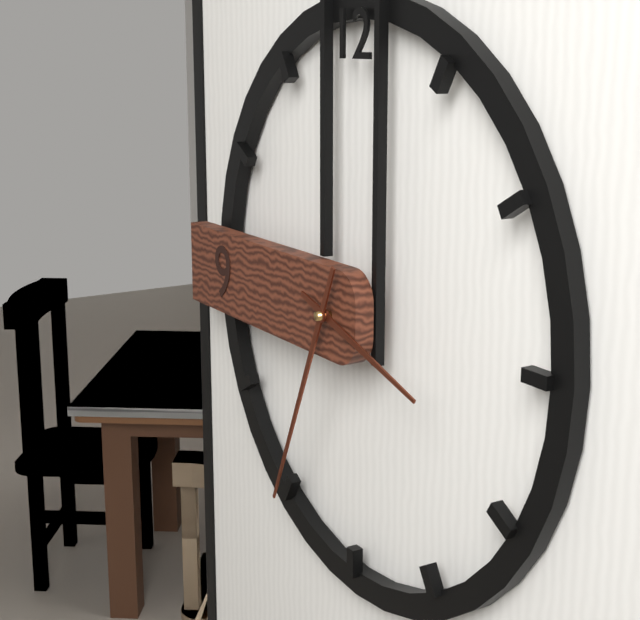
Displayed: 3 h 34 min
